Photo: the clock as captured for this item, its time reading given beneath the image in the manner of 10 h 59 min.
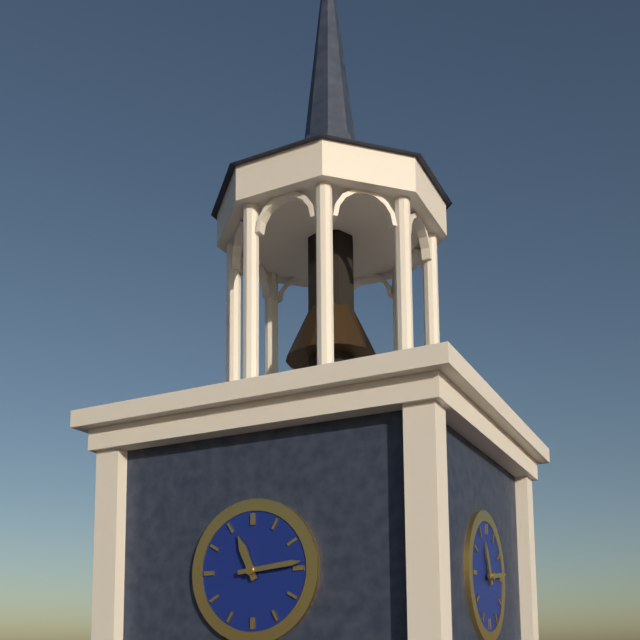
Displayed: 11 h 14 min
